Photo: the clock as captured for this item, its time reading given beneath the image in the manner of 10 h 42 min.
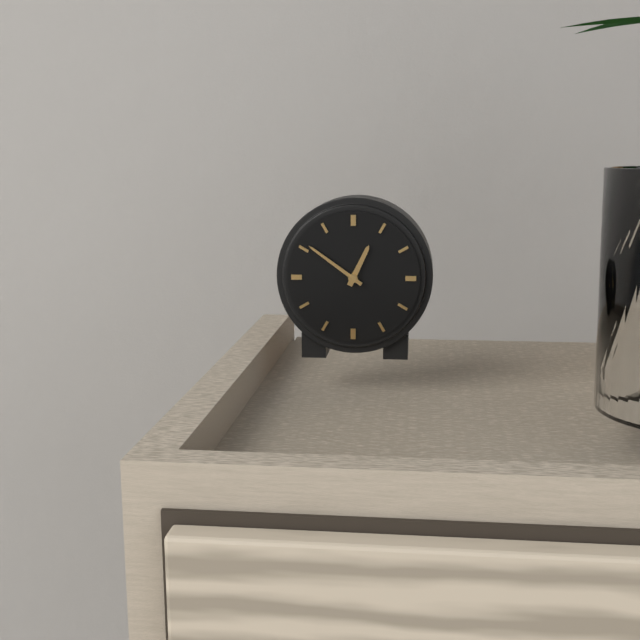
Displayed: 12 h 51 min
